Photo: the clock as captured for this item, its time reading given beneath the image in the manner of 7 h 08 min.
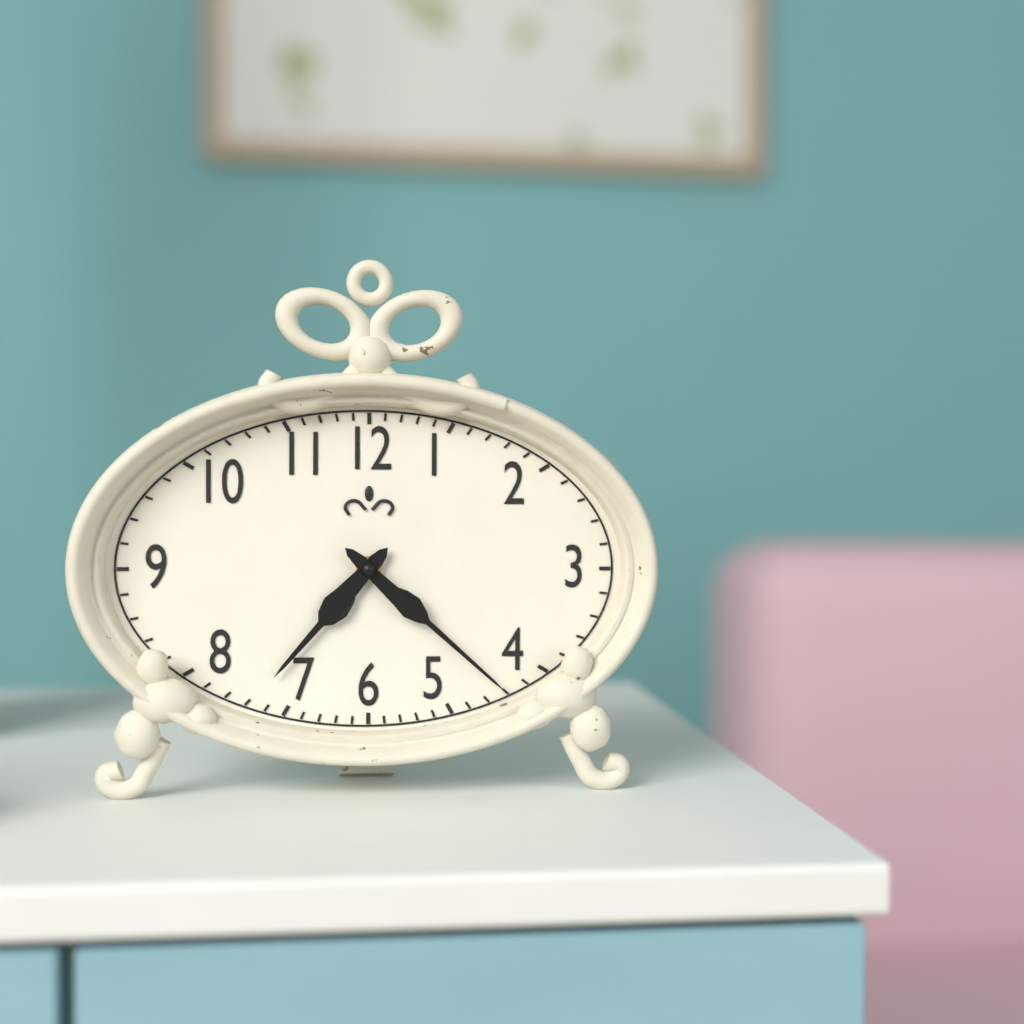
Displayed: 7 h 22 min
